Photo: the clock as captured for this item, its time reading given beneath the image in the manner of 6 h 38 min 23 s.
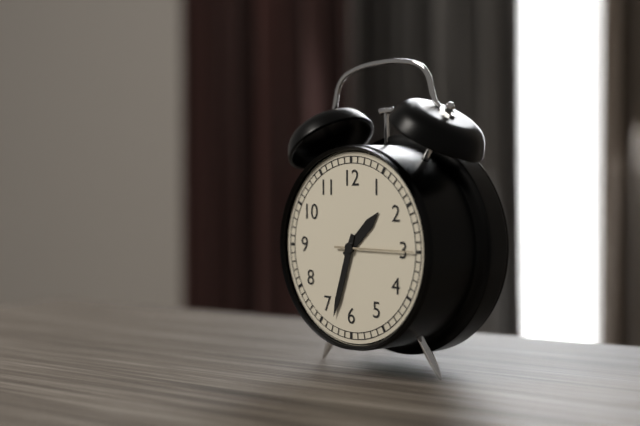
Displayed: 1 h 33 min 15 s
